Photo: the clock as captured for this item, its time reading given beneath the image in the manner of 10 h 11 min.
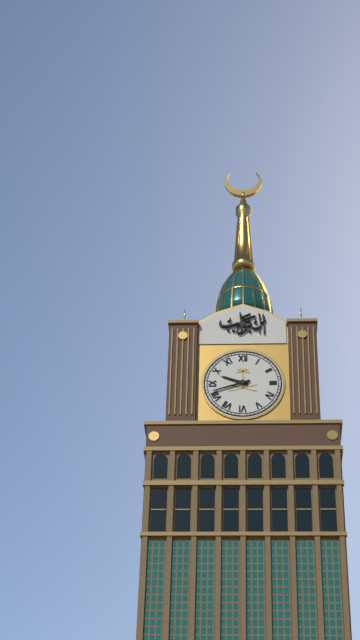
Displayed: 9 h 42 min
